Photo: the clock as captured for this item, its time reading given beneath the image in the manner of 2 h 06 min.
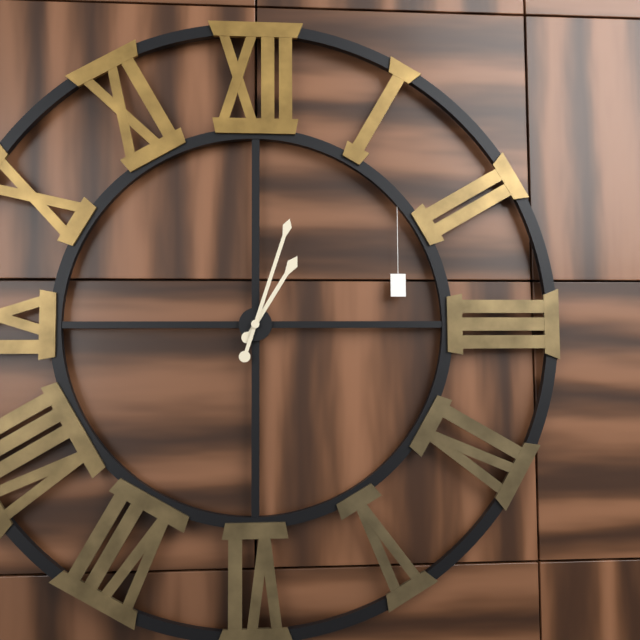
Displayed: 1 h 03 min
